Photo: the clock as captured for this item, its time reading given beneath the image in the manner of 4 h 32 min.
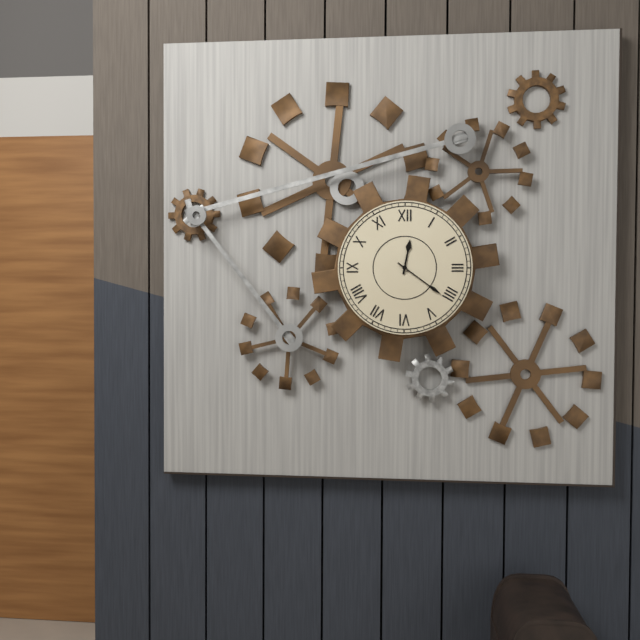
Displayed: 12 h 21 min
